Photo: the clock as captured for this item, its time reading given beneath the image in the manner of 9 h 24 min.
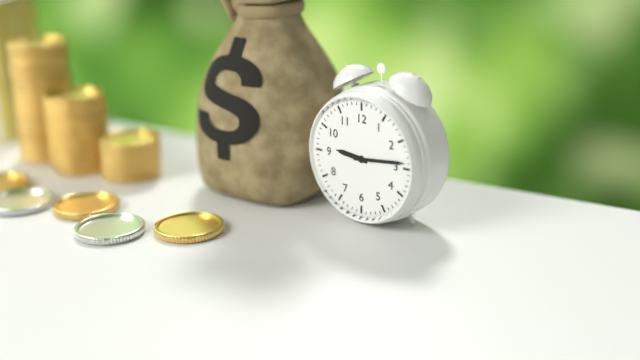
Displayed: 9 h 14 min
